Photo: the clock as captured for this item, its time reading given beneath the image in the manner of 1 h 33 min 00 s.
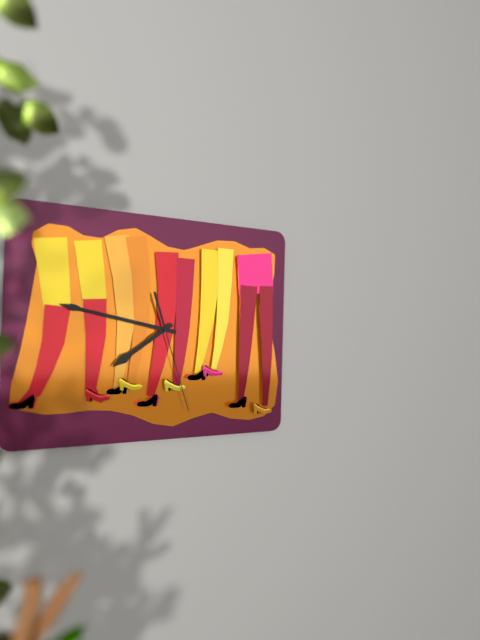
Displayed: 7 h 47 min 27 s
